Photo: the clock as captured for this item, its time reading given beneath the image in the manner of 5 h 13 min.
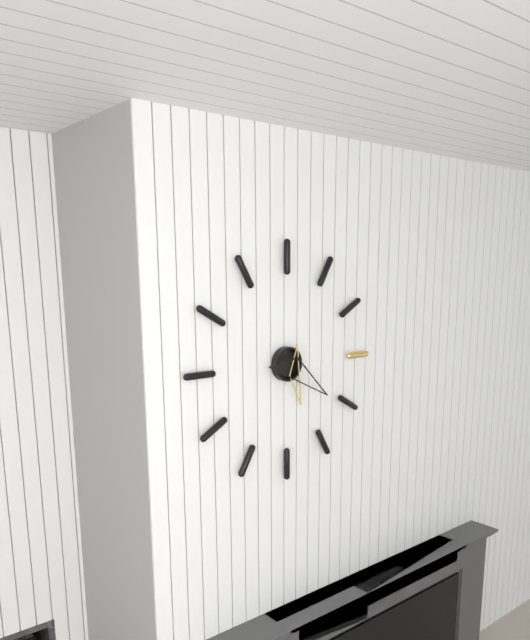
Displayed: 5 h 21 min
